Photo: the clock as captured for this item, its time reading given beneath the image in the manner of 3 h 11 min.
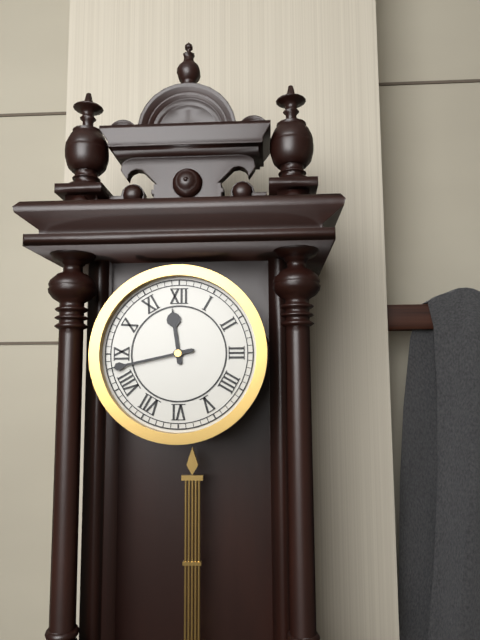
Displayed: 11 h 43 min
